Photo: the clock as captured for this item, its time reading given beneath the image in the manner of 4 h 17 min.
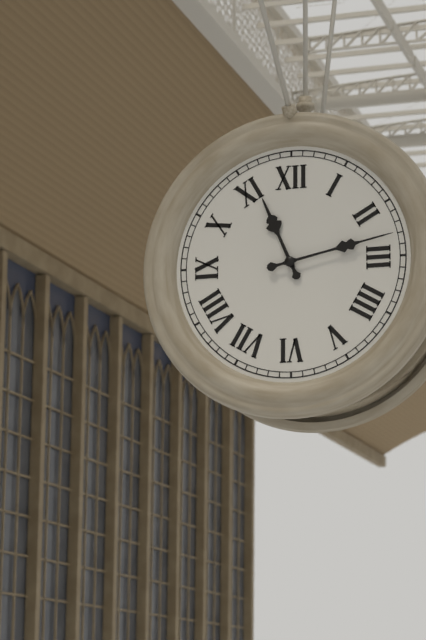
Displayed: 11 h 13 min
